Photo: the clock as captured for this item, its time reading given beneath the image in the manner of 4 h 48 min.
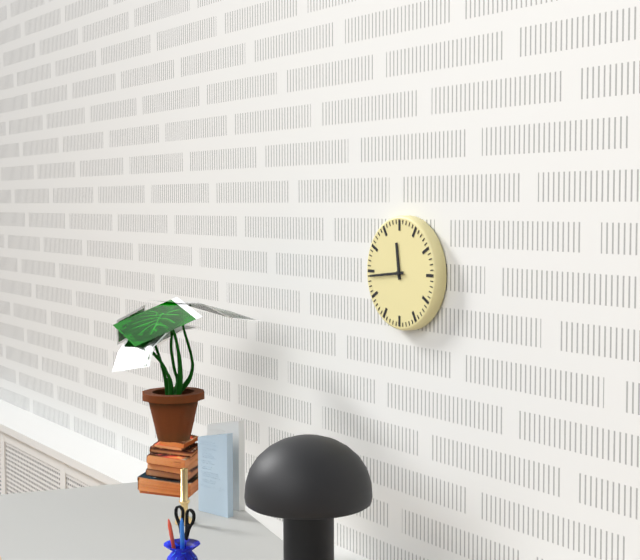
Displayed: 11 h 44 min
